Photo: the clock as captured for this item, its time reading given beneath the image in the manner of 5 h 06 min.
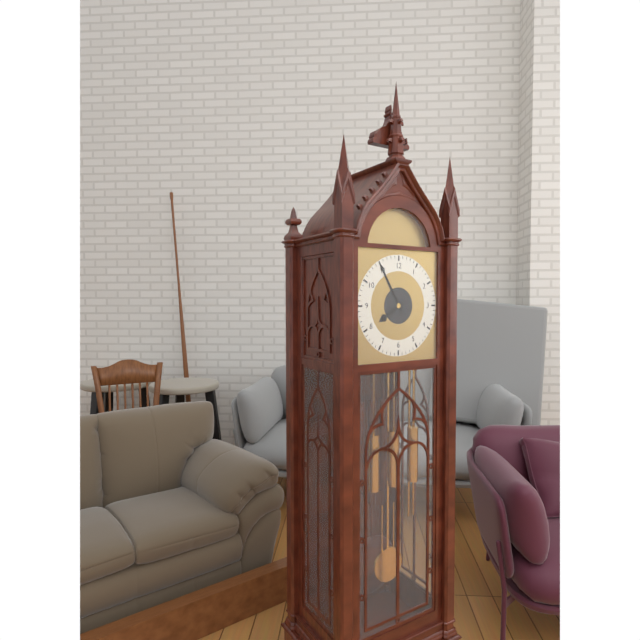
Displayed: 7 h 55 min
